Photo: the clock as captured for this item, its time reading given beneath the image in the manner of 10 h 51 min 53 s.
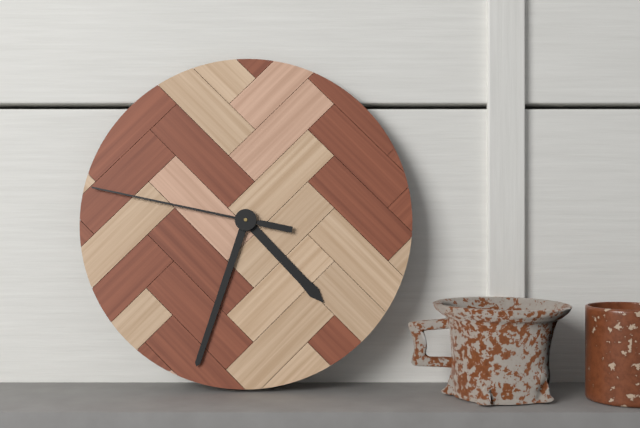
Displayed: 4 h 33 min 47 s
